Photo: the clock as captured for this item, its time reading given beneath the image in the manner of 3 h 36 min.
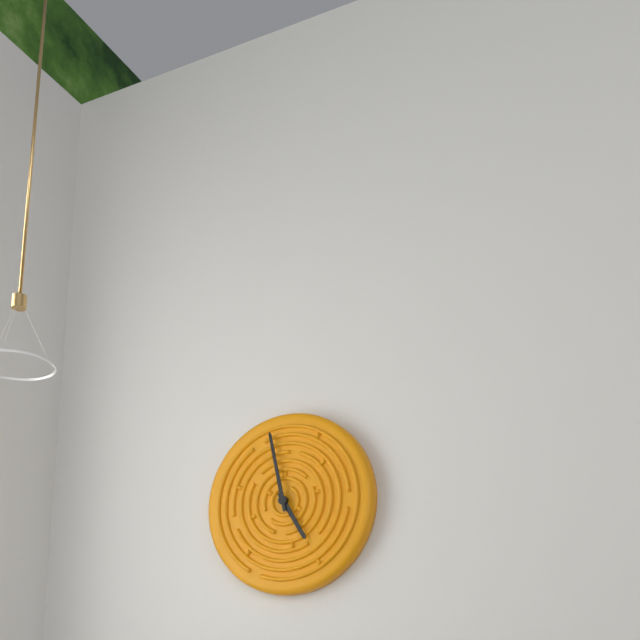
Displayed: 4 h 58 min
